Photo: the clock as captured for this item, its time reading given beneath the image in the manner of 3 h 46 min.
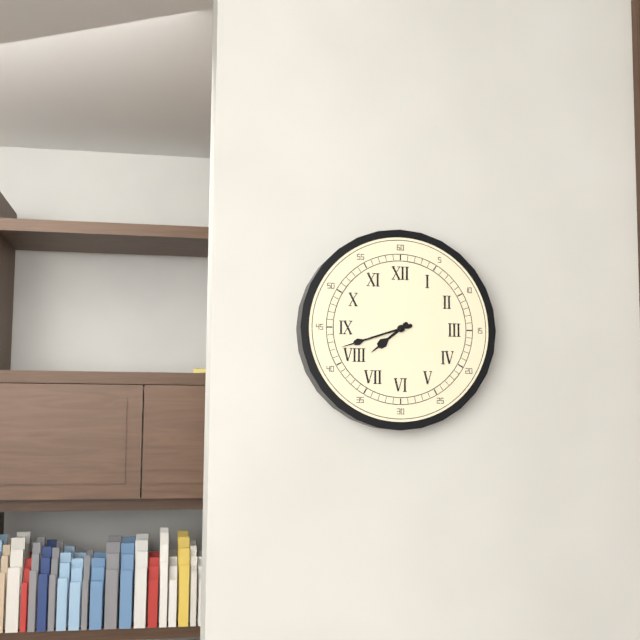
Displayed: 7 h 42 min
